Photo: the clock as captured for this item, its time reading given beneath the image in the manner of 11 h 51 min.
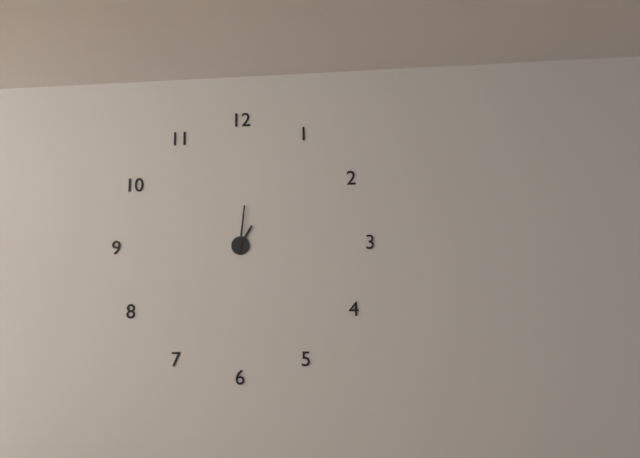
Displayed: 1 h 01 min
